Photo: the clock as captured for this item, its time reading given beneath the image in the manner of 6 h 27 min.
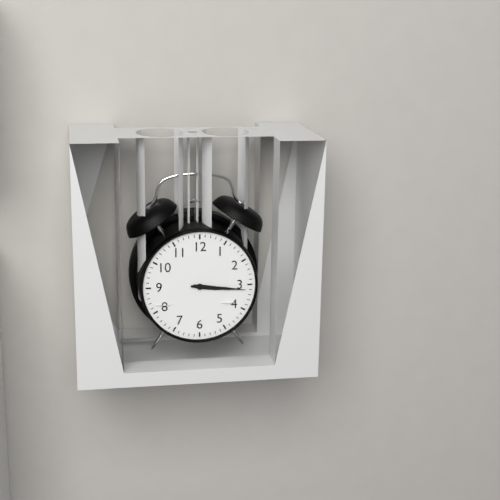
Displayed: 3 h 16 min
